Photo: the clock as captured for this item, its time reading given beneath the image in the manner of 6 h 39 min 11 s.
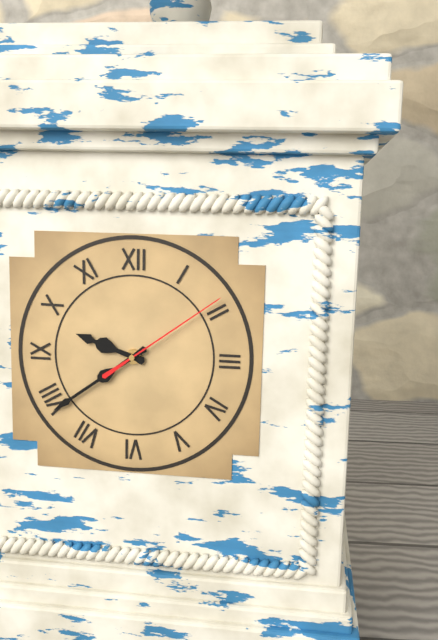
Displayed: 9 h 39 min 09 s
